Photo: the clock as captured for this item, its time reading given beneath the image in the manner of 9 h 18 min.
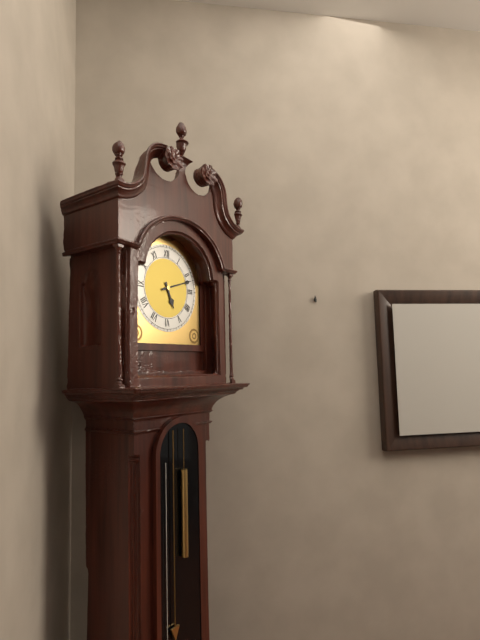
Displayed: 5 h 12 min
